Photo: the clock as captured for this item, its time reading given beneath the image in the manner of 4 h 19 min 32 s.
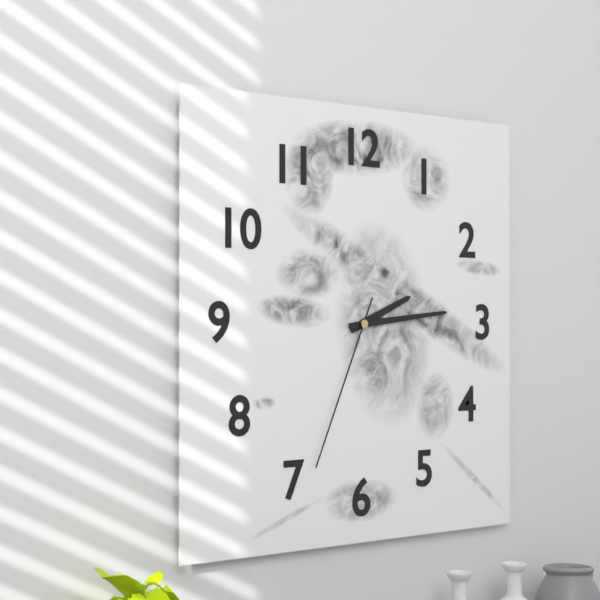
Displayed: 2 h 14 min 34 s
